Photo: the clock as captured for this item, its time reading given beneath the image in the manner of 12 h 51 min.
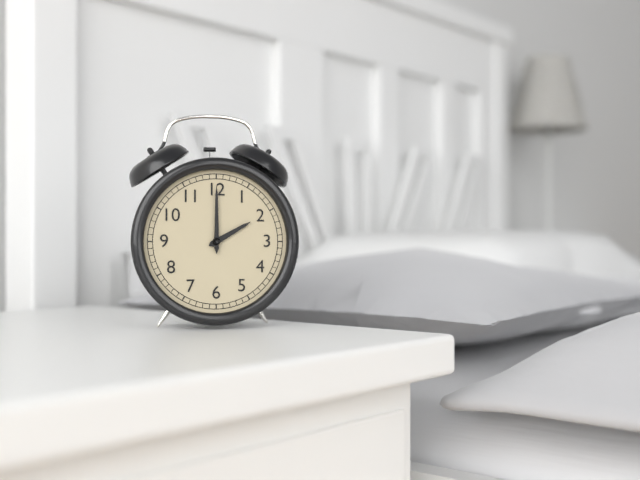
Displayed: 2 h 00 min
